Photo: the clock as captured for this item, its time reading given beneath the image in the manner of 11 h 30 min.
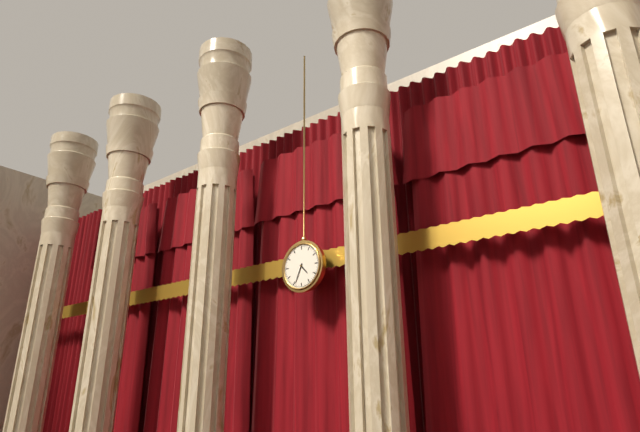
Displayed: 4 h 34 min
